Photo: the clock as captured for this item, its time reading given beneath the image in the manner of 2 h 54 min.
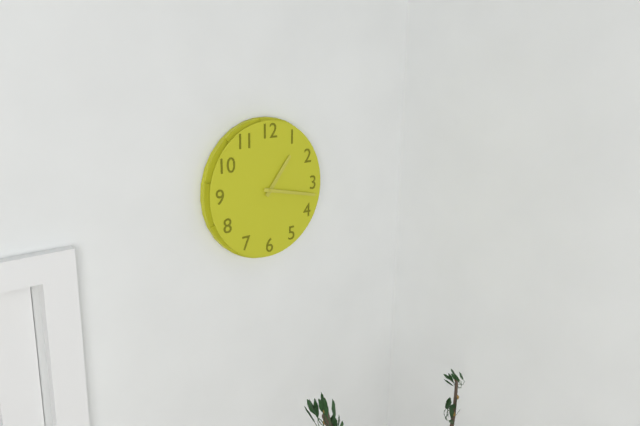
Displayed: 1 h 17 min
